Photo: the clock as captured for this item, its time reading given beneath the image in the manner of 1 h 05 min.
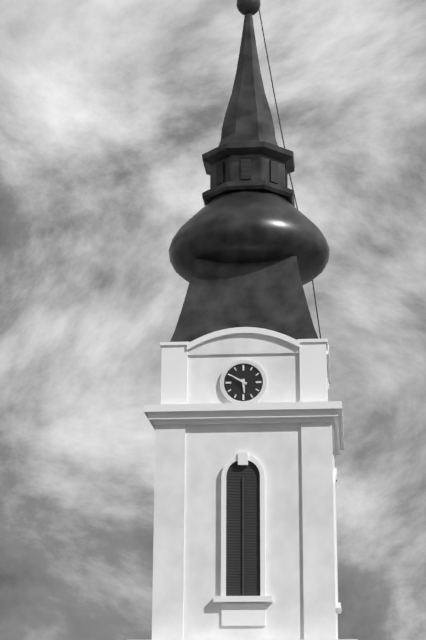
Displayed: 5 h 50 min
